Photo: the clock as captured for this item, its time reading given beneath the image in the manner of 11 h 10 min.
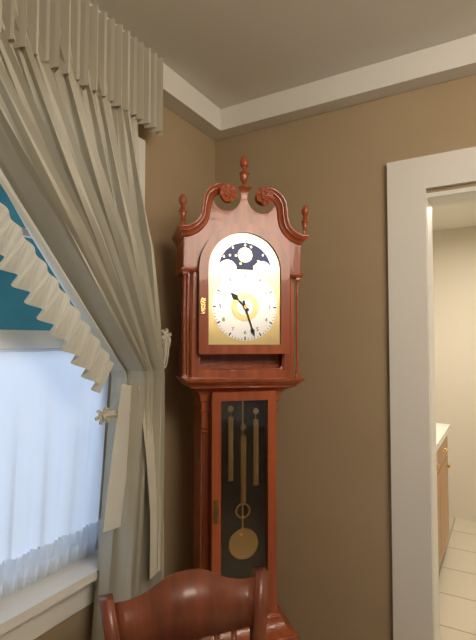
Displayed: 10 h 27 min
